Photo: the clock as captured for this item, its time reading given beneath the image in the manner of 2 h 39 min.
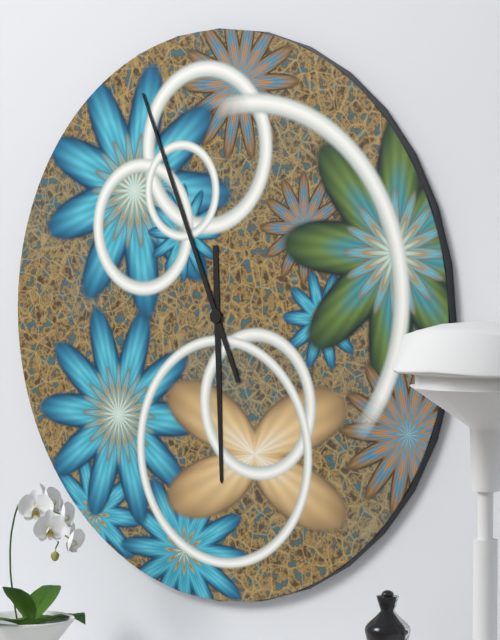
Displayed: 5 h 56 min
